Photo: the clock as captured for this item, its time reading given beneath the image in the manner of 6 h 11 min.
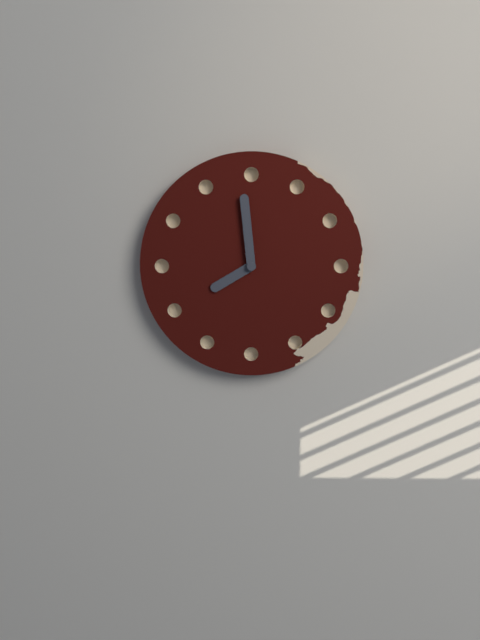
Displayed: 7 h 59 min
